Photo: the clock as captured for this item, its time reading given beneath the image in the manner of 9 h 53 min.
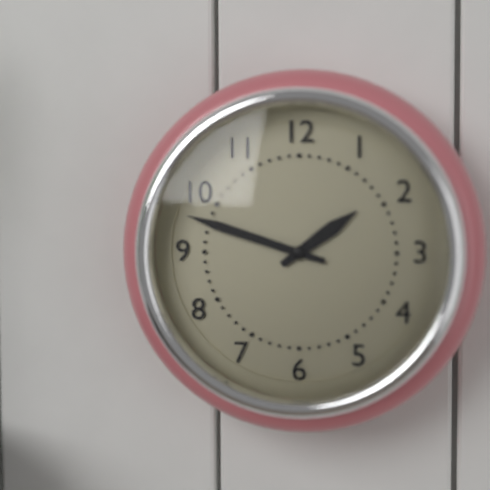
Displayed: 1 h 48 min
